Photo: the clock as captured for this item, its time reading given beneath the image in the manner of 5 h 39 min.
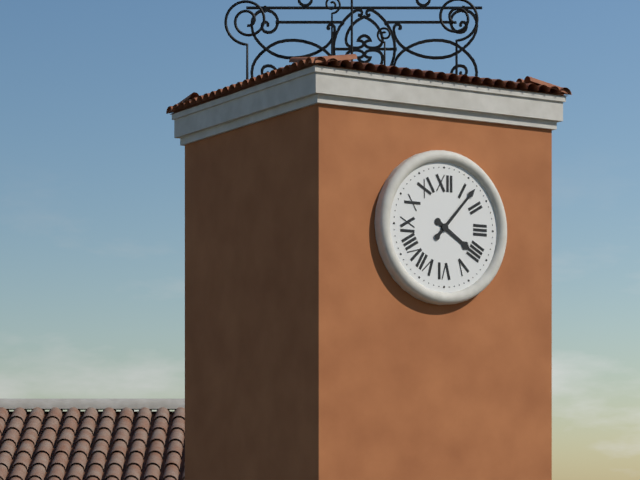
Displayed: 4 h 07 min
